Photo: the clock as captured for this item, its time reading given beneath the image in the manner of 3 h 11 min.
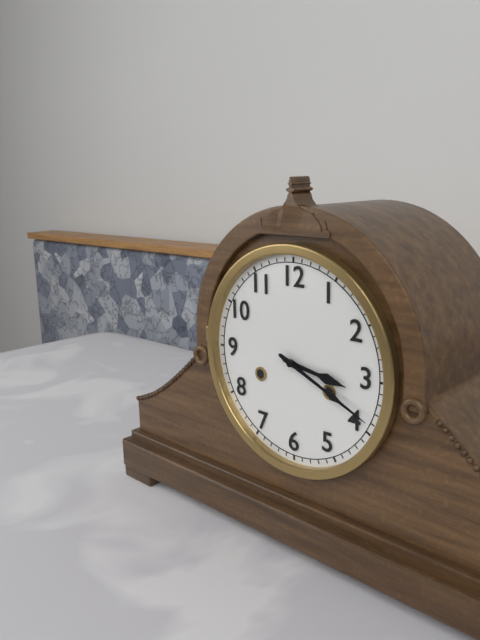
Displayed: 3 h 19 min
